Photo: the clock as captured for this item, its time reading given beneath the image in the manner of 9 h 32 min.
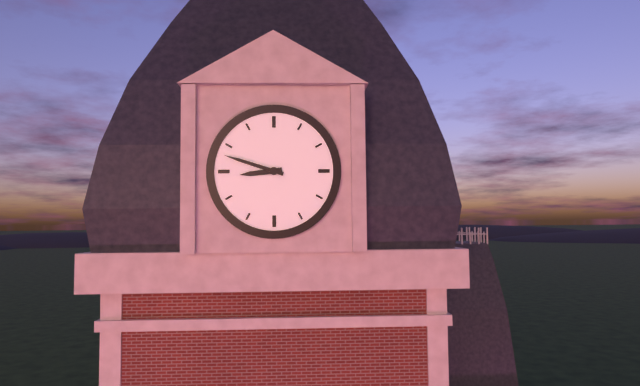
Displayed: 8 h 48 min
